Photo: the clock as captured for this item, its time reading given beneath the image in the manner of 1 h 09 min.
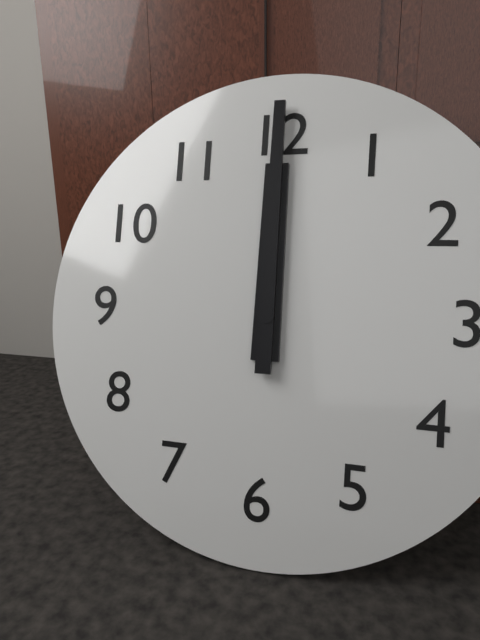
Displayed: 12 h 00 min
